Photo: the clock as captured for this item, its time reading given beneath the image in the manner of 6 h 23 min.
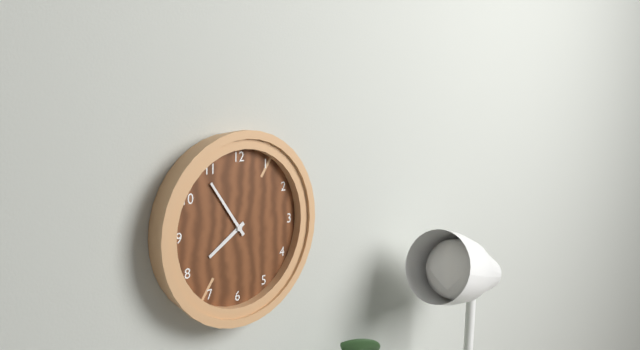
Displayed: 7 h 54 min
